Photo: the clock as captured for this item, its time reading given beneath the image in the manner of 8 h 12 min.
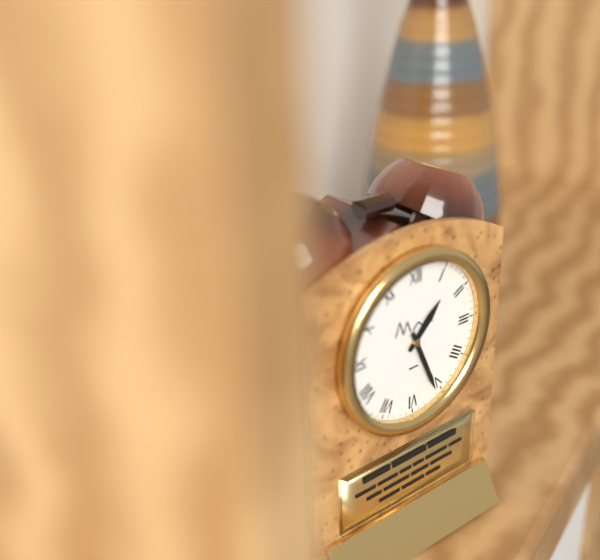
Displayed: 1 h 26 min
